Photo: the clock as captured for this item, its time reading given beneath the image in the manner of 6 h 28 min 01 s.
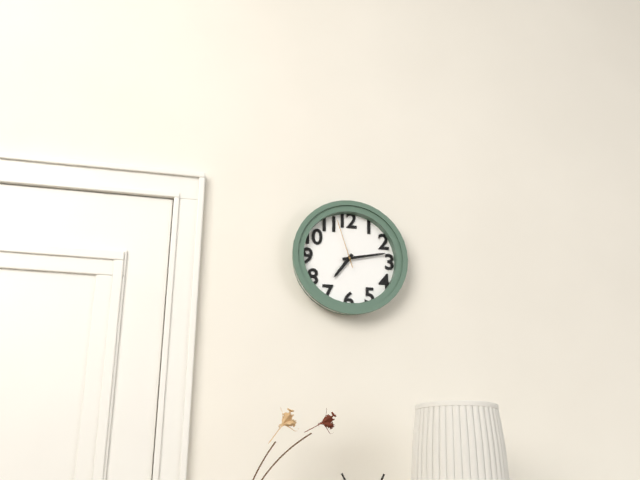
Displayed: 7 h 13 min 57 s
